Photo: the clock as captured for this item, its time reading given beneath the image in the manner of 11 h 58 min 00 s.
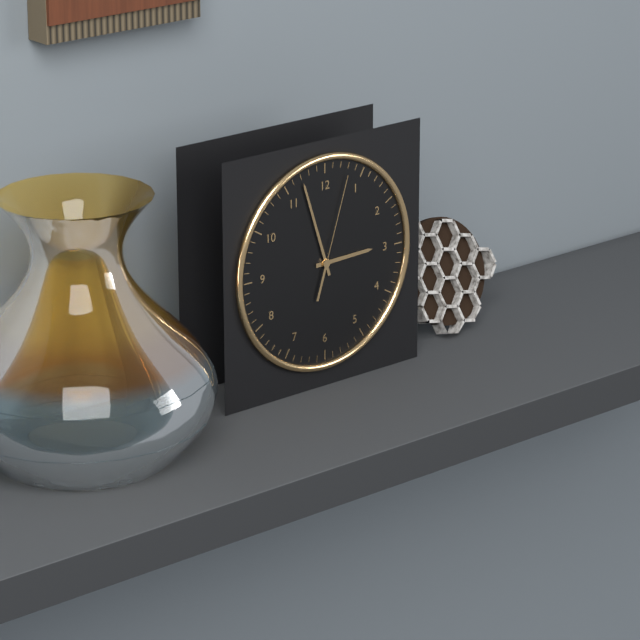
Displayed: 2 h 57 min 03 s
